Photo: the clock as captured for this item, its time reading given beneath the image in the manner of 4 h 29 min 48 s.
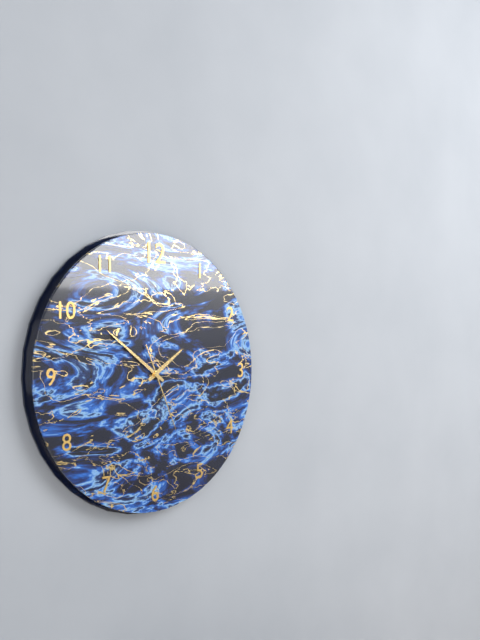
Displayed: 1 h 51 min 26 s
